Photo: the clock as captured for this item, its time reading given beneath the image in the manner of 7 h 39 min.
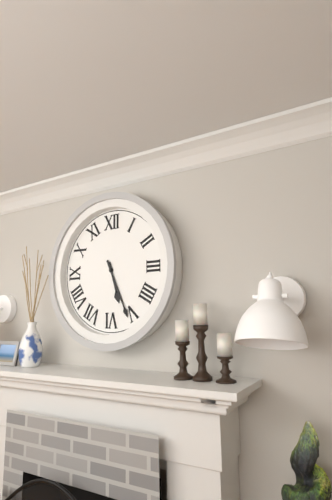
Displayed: 5 h 26 min
